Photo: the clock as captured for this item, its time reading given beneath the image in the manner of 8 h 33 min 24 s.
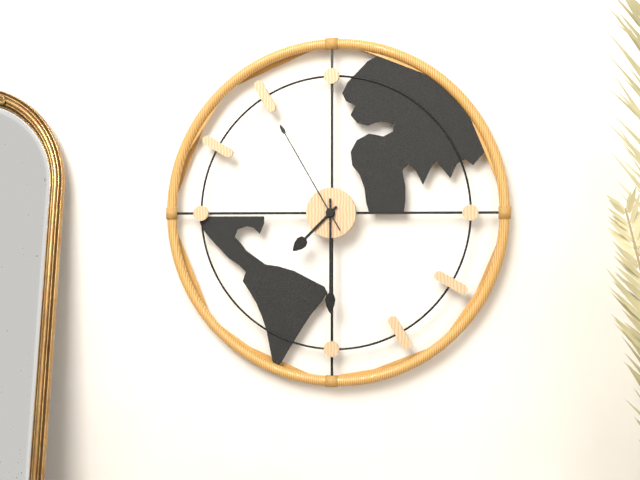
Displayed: 7 h 30 min 55 s
